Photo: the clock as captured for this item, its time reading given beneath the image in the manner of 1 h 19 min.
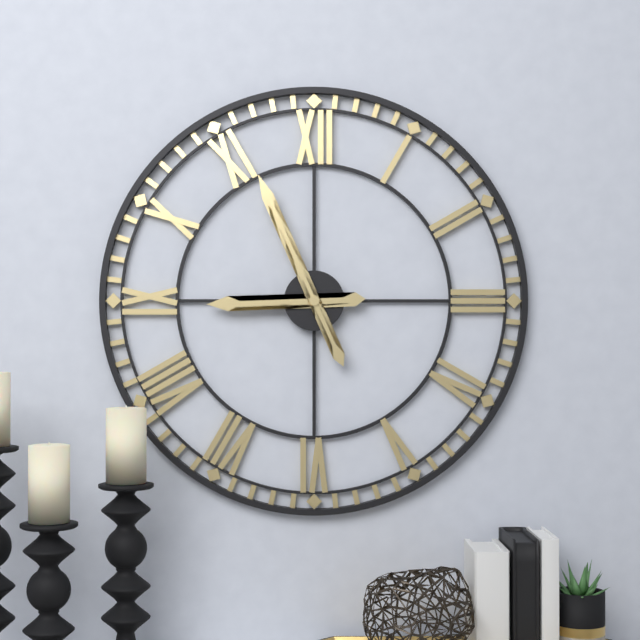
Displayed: 8 h 56 min
